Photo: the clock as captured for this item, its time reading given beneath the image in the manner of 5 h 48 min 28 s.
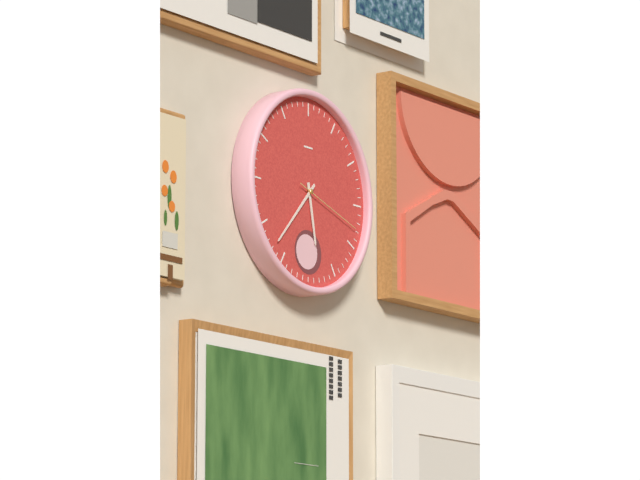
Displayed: 5 h 37 min 18 s
